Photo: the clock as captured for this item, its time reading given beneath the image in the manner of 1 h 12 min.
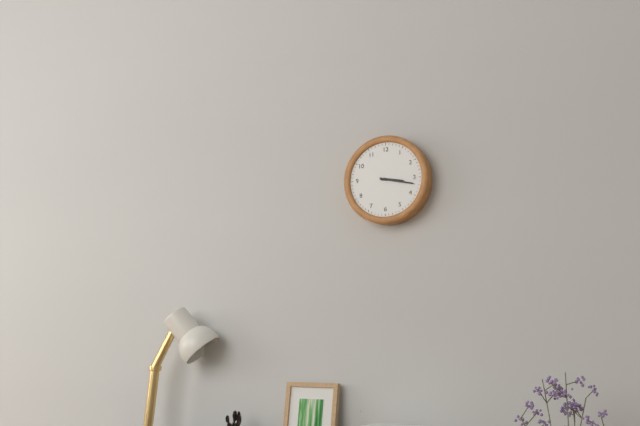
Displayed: 3 h 17 min
